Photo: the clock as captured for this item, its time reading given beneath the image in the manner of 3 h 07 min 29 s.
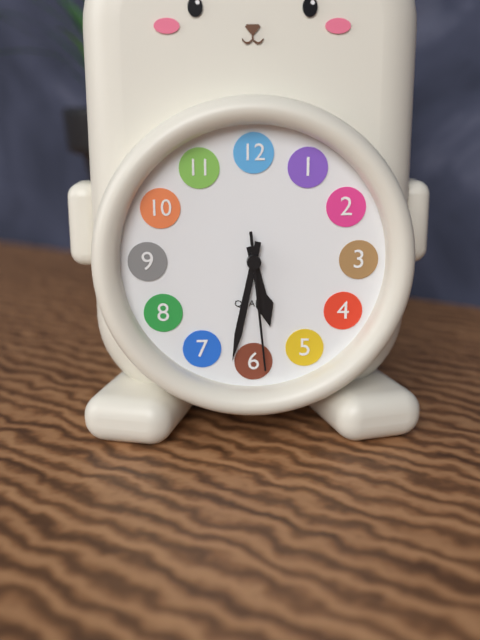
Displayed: 5 h 32 min 29 s
